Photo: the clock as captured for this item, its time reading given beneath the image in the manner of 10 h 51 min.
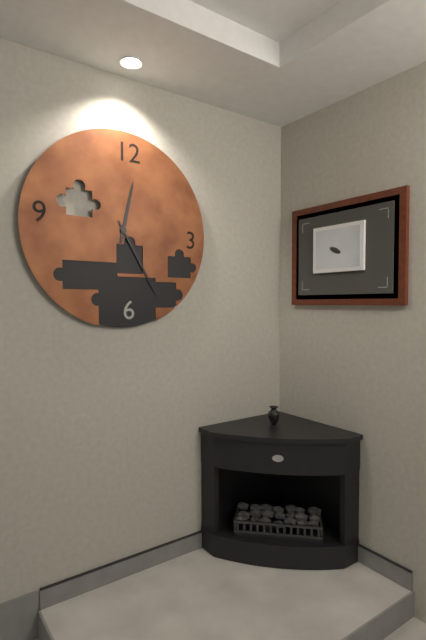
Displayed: 12 h 25 min
